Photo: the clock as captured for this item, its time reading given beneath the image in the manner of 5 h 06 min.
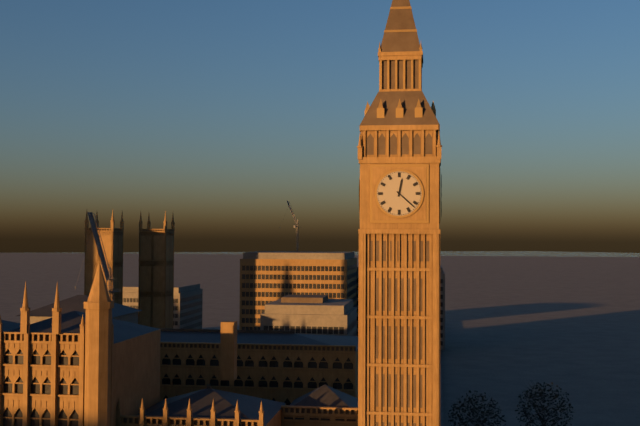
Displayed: 12 h 22 min
